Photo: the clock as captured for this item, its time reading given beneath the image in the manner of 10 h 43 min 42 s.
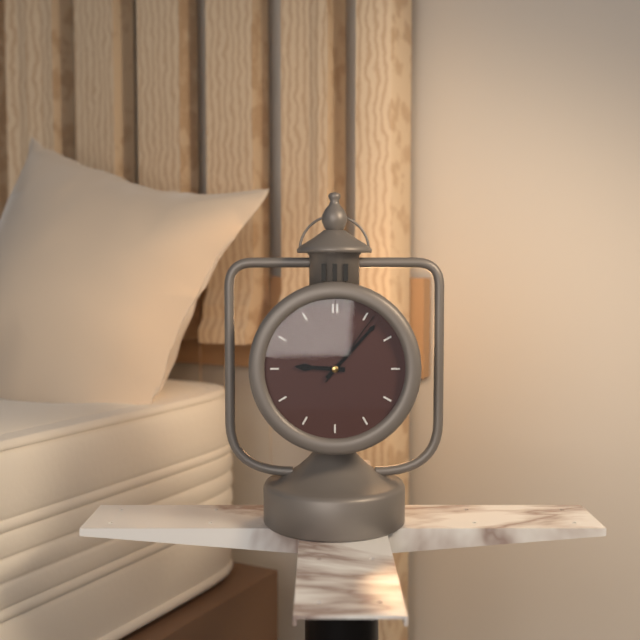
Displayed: 9 h 07 min 06 s
